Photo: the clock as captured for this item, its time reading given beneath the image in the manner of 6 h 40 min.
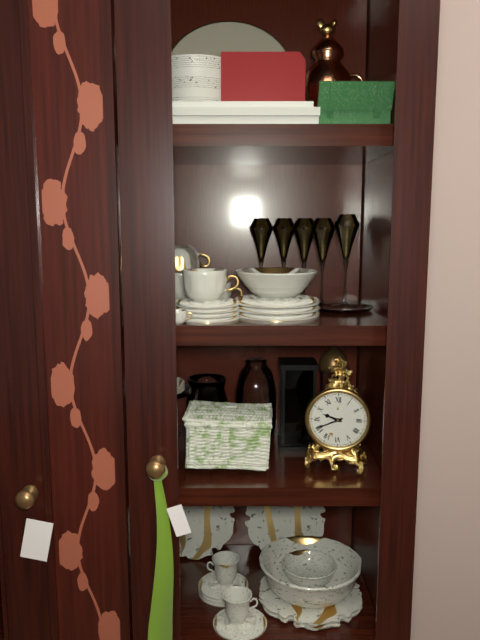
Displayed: 9 h 41 min
